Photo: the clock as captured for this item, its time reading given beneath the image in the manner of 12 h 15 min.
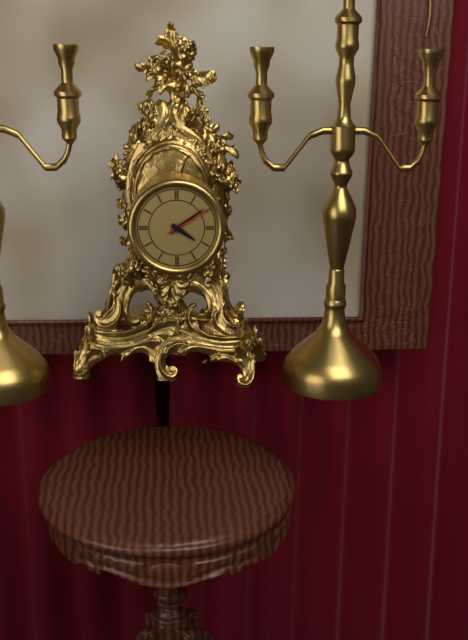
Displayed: 4 h 09 min
